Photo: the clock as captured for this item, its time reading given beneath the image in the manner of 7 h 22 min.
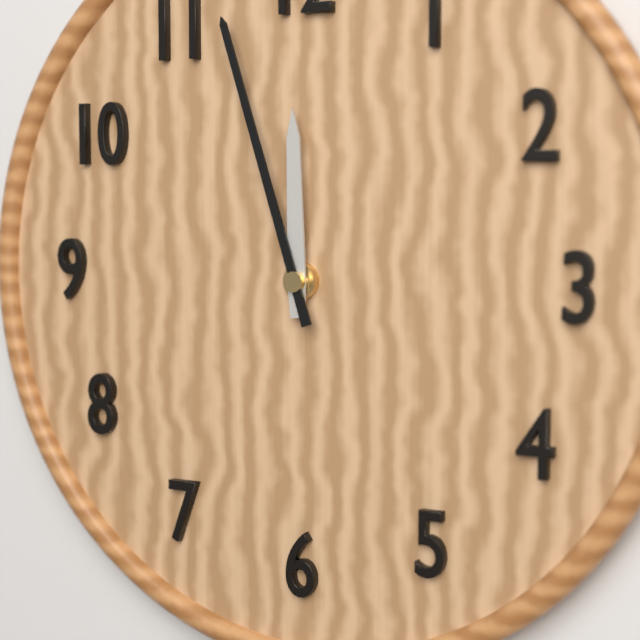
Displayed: 11 h 57 min
